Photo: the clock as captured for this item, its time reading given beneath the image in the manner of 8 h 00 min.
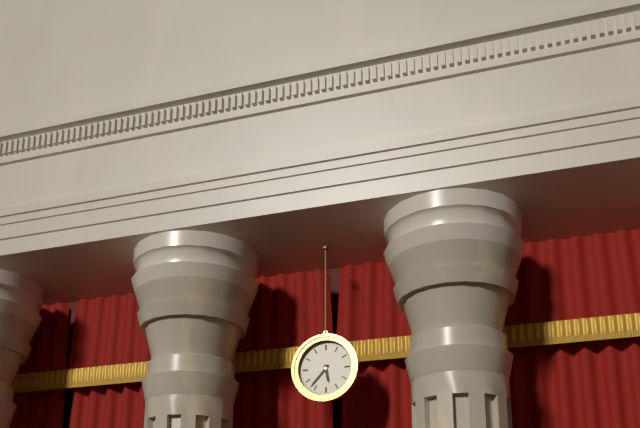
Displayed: 5 h 37 min
